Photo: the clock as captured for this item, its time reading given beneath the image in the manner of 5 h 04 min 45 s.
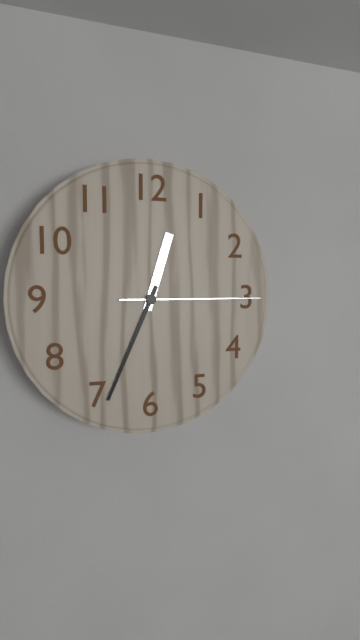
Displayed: 12 h 34 min 15 s
